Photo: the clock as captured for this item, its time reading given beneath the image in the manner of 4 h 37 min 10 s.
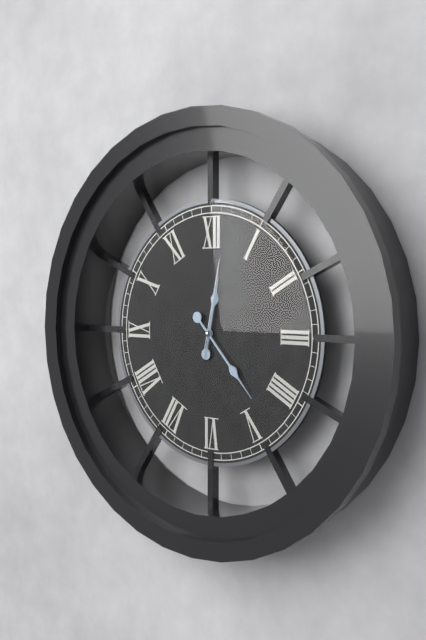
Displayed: 12 h 23 min 02 s
